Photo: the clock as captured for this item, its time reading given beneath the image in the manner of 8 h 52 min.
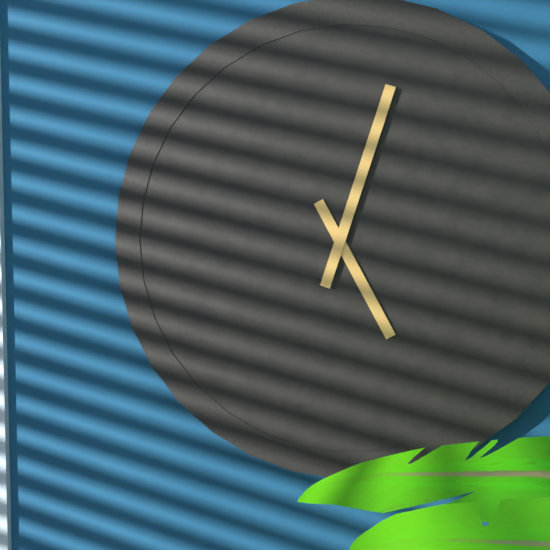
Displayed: 5 h 03 min
